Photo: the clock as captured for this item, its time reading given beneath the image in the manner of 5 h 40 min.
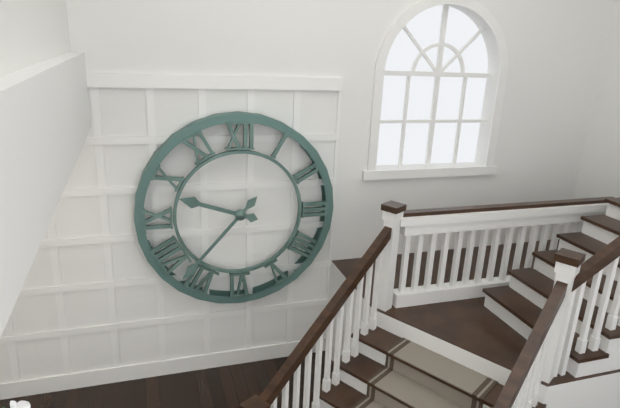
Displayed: 9 h 37 min
